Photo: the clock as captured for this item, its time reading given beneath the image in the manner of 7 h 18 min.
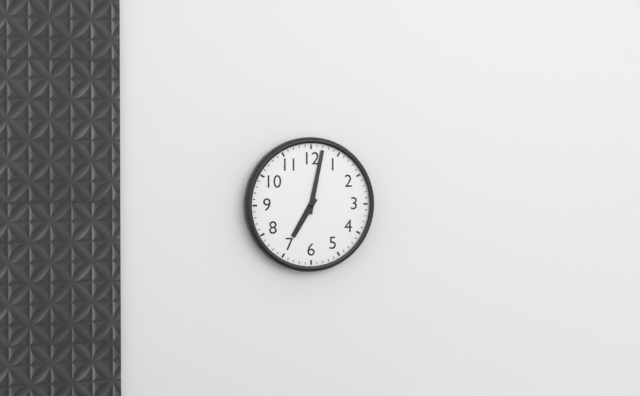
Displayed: 7 h 02 min
